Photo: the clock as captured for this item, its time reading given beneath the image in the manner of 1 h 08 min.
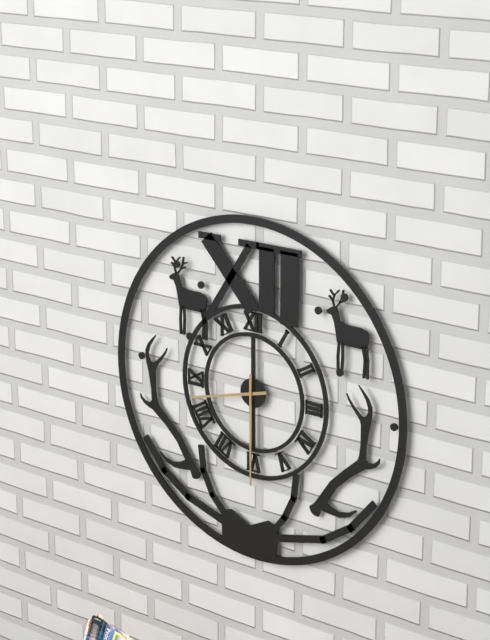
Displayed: 8 h 30 min
